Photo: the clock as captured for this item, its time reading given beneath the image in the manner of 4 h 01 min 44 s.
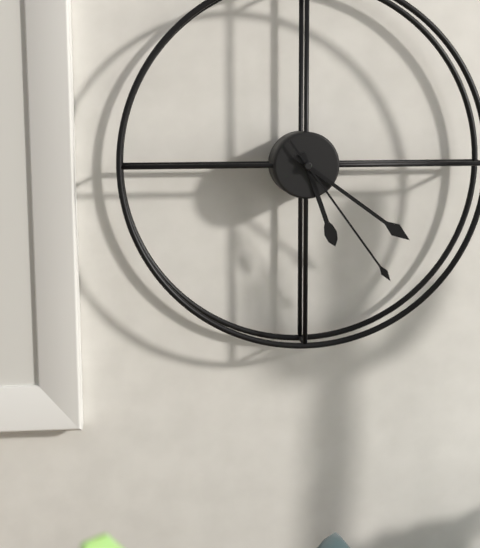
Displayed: 5 h 21 min 24 s
